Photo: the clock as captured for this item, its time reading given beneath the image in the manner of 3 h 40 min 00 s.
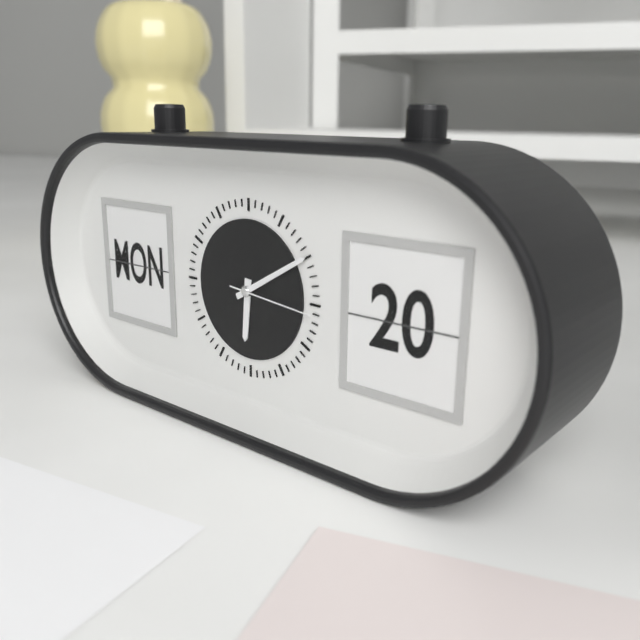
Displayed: 6 h 10 min 16 s
